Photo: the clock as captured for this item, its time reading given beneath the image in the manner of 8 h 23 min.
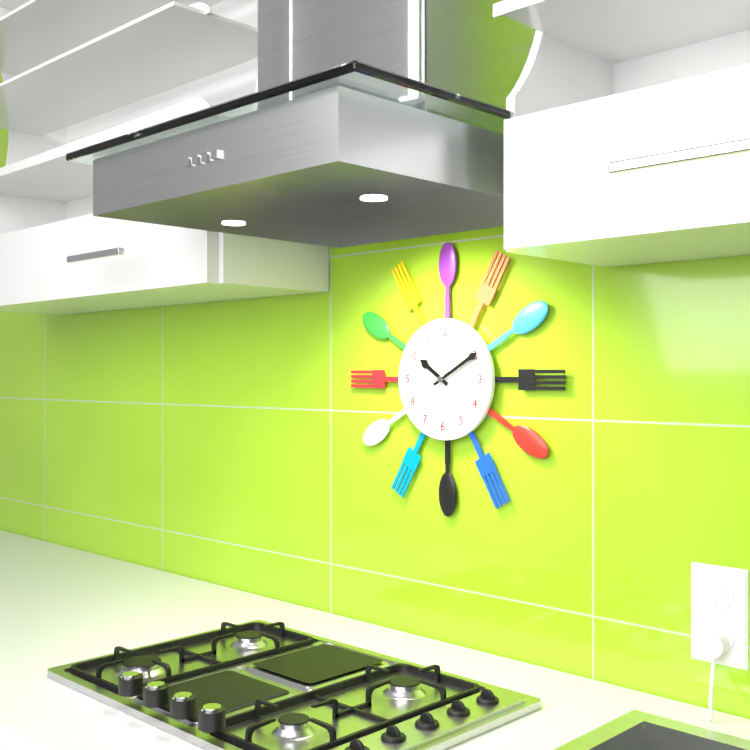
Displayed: 10 h 10 min
